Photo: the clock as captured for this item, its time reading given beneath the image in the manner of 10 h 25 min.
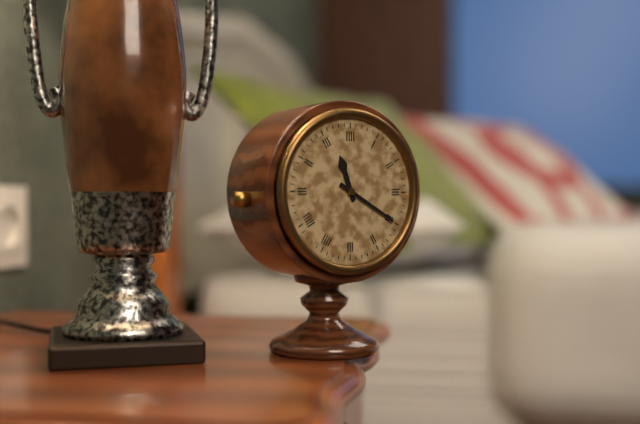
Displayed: 11 h 20 min
